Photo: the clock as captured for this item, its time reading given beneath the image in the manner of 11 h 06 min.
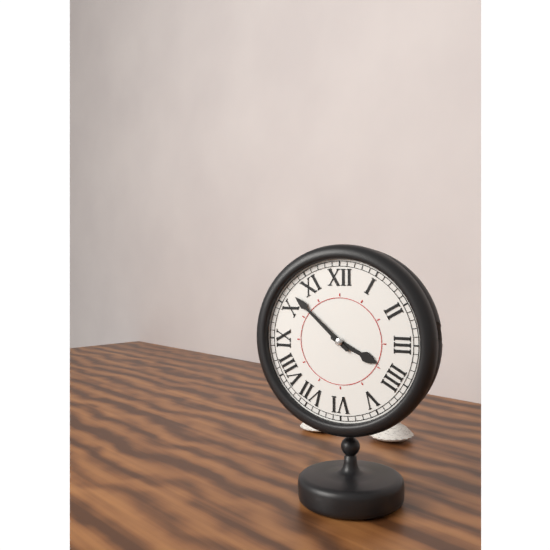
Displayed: 3 h 52 min
